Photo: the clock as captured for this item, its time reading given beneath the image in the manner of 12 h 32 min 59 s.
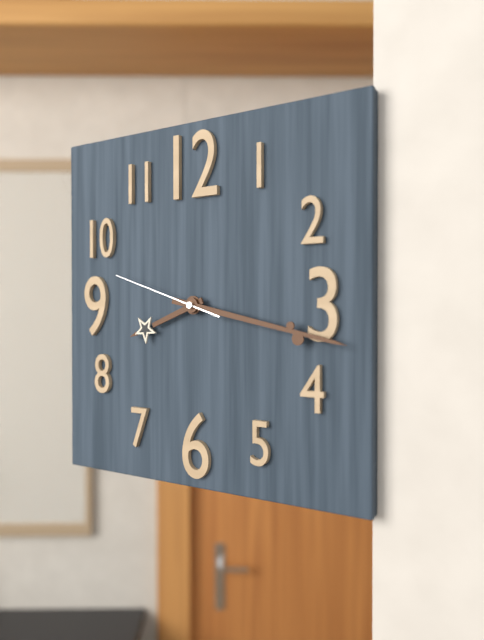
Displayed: 8 h 17 min 48 s
